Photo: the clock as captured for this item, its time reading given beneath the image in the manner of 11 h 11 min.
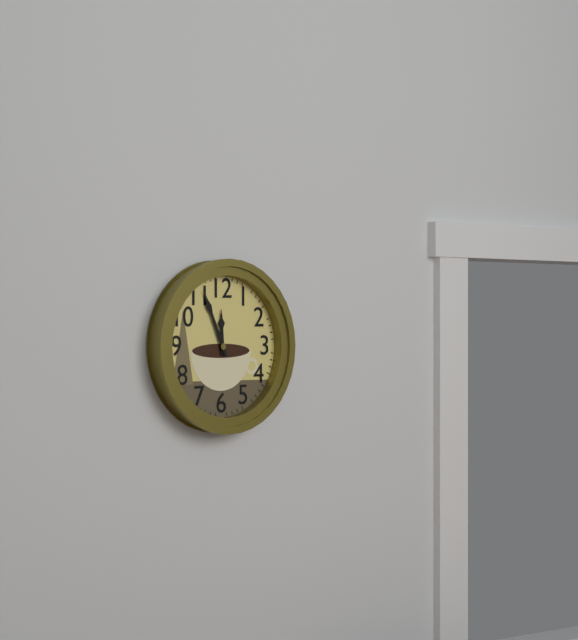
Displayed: 11 h 56 min
